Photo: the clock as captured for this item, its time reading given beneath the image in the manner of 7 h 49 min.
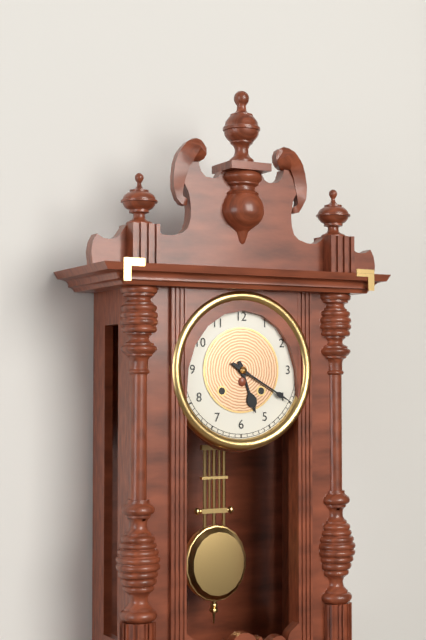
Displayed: 5 h 20 min
